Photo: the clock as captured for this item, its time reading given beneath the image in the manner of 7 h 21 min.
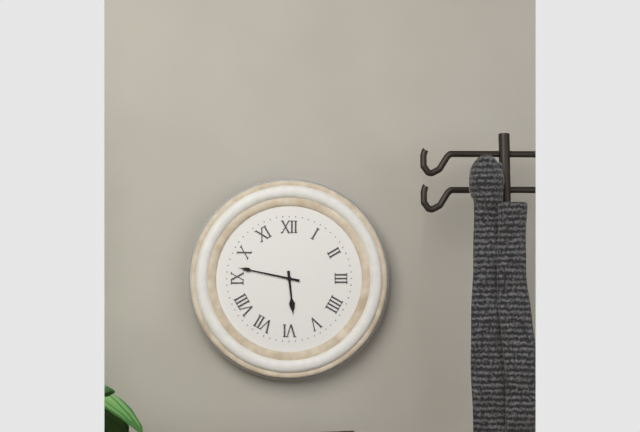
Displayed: 5 h 47 min
